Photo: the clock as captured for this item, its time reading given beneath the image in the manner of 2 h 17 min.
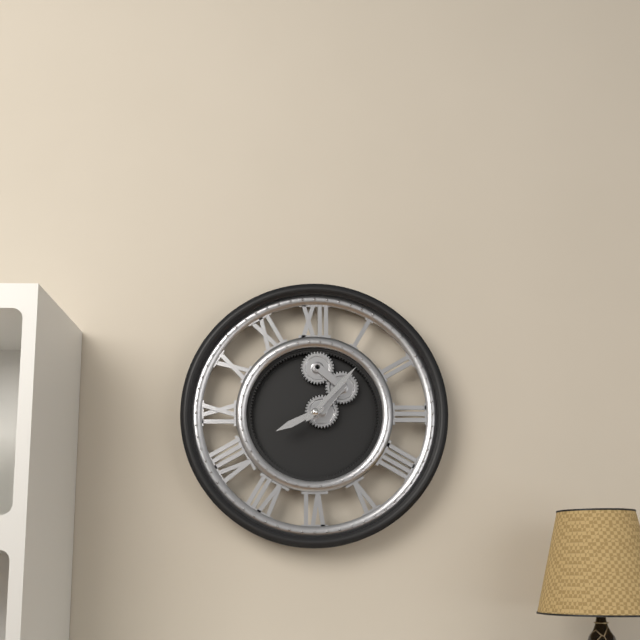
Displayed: 8 h 07 min
